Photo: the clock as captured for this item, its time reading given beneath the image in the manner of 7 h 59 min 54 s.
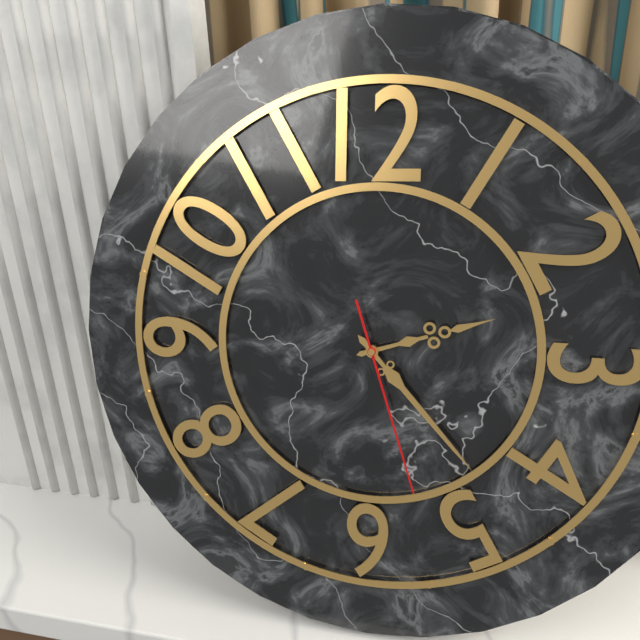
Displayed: 2 h 23 min 27 s
